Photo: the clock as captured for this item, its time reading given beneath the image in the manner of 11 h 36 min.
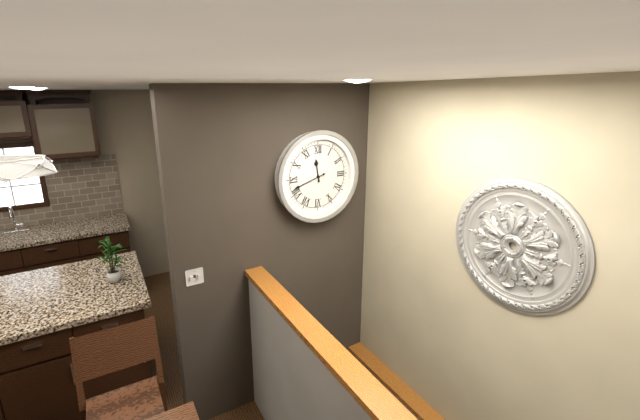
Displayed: 11 h 42 min
